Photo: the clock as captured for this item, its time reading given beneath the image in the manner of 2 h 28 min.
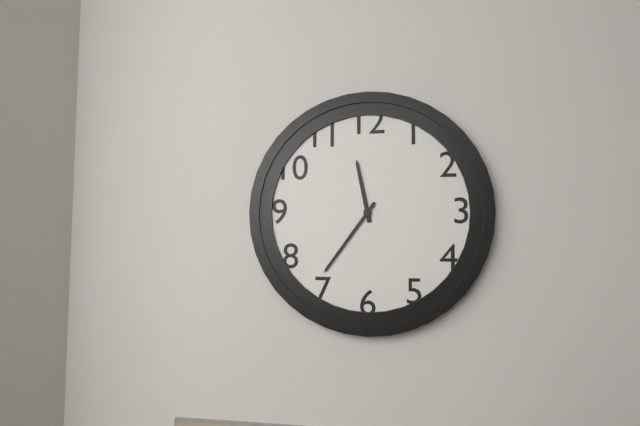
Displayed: 11 h 36 min
